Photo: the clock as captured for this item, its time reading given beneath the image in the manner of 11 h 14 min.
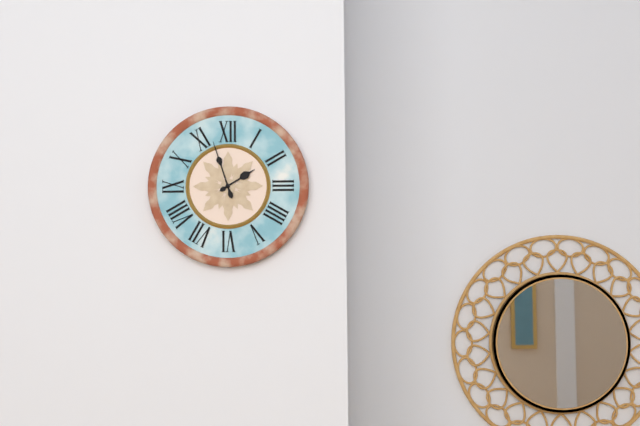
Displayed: 1 h 57 min
